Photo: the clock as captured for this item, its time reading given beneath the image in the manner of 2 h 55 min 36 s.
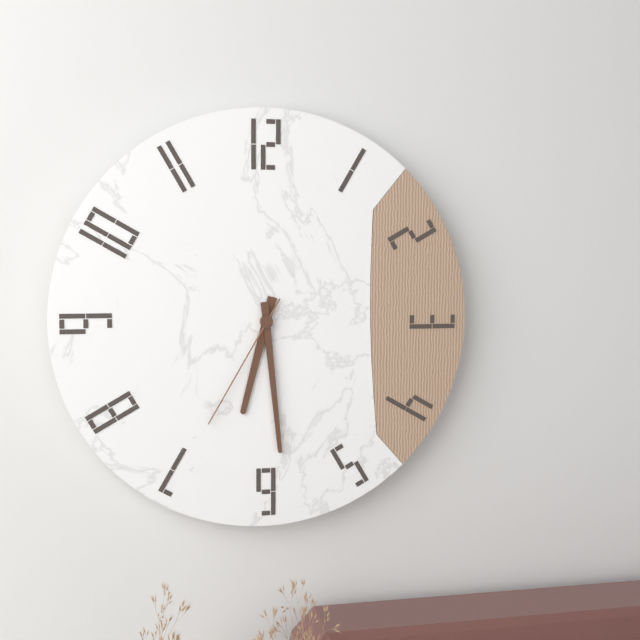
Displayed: 6 h 29 min 35 s
